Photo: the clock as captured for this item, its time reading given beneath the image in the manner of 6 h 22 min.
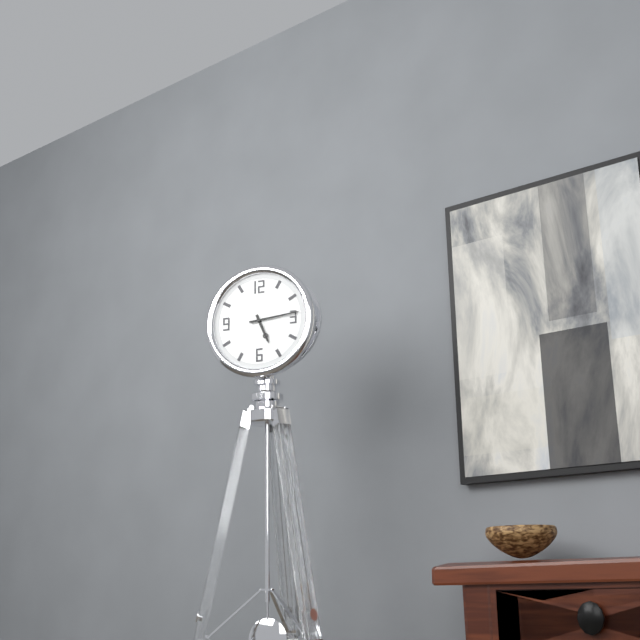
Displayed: 5 h 14 min
